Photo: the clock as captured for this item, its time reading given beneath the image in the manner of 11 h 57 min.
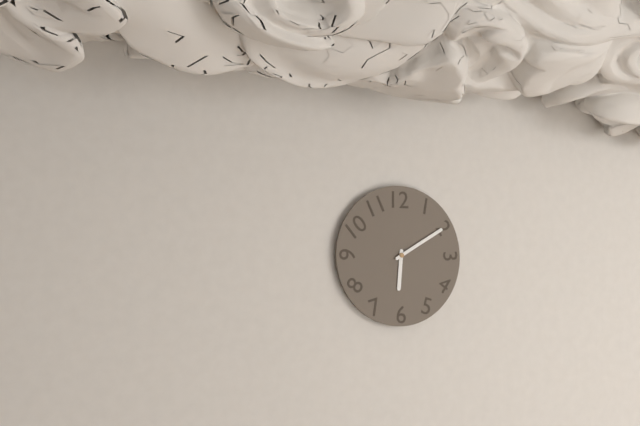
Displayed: 6 h 10 min
